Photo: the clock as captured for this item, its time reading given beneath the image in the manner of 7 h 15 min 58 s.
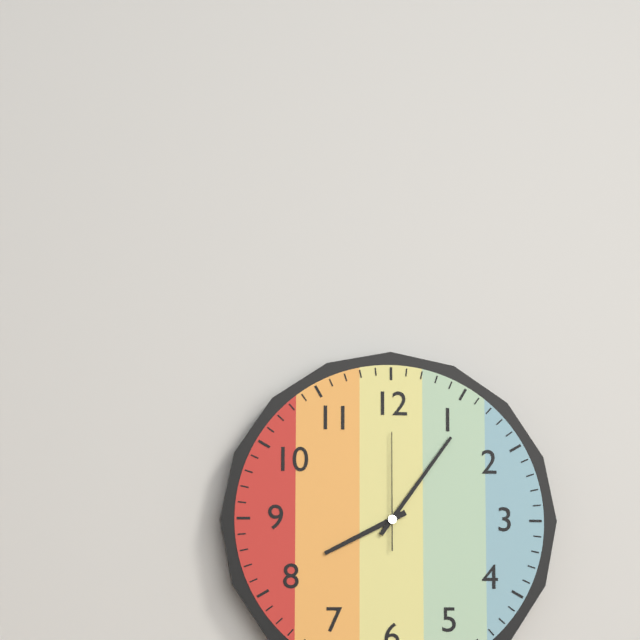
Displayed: 8 h 06 min 00 s
